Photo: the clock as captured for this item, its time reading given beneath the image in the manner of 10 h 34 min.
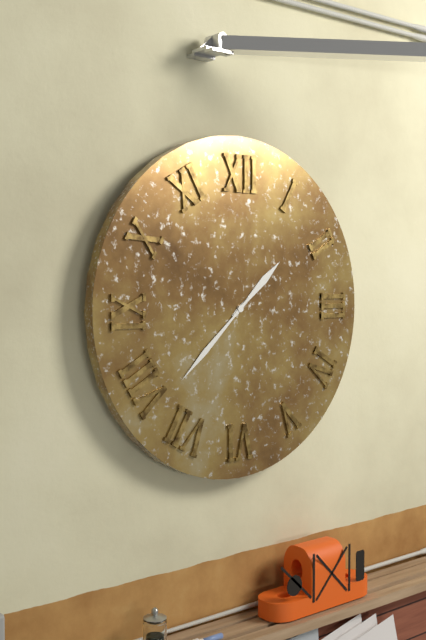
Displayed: 1 h 38 min
